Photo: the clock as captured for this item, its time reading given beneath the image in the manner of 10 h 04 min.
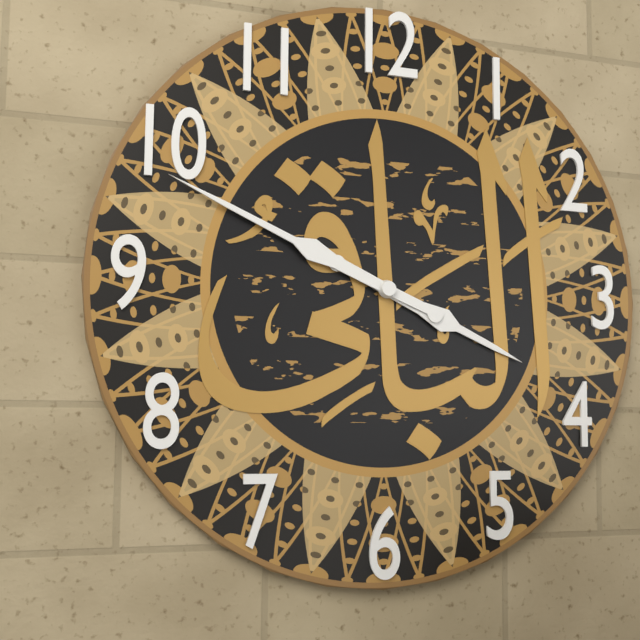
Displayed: 3 h 49 min
